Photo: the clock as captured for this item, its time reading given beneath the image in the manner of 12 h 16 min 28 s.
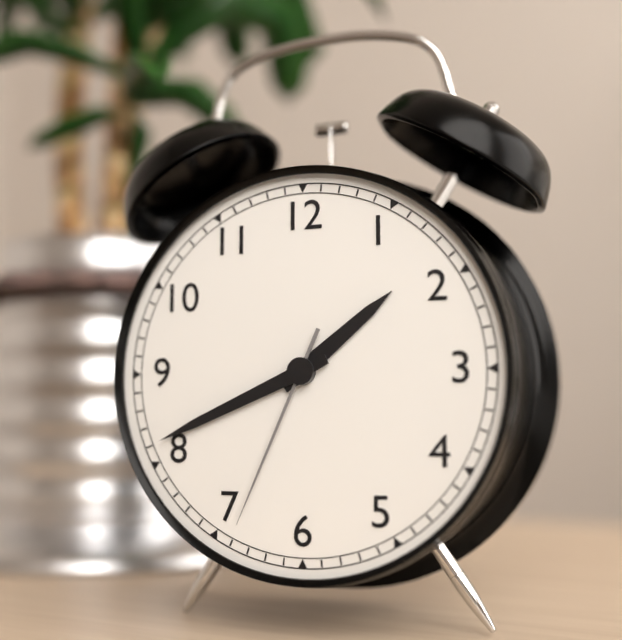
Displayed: 1 h 41 min 34 s
